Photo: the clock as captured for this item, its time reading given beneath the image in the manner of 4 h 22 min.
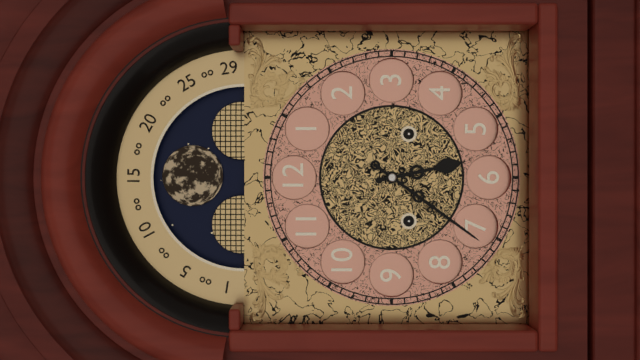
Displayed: 5 h 36 min
